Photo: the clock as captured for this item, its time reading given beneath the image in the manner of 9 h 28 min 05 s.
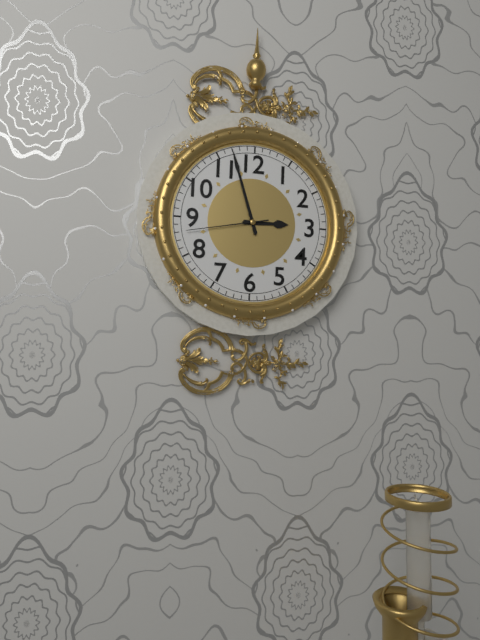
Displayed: 2 h 57 min 43 s
